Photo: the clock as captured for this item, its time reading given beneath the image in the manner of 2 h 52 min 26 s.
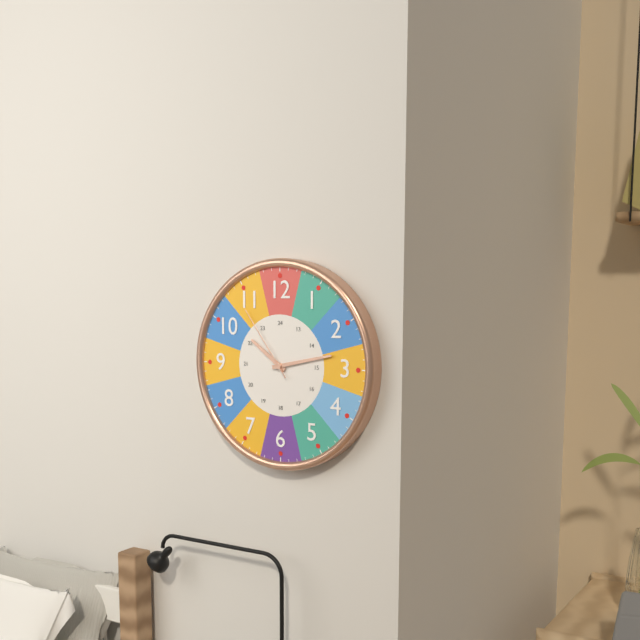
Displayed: 10 h 13 min 54 s
